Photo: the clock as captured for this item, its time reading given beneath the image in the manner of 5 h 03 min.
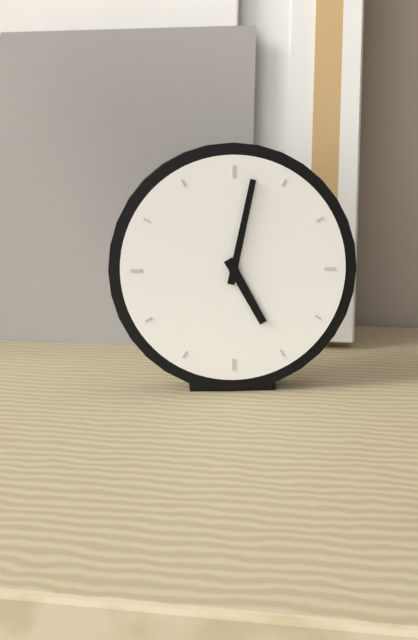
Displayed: 5 h 02 min
